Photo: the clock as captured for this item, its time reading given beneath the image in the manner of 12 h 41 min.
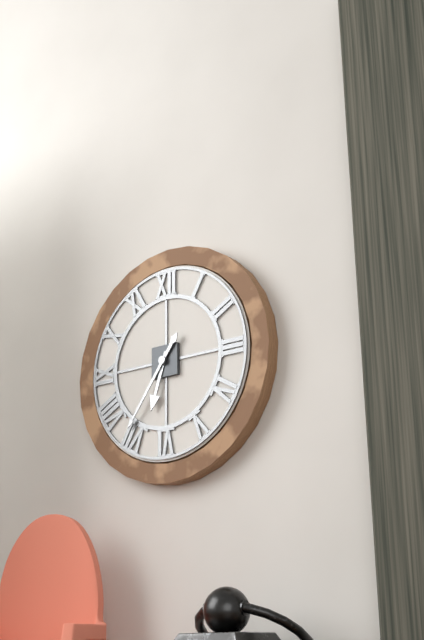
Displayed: 6 h 36 min
